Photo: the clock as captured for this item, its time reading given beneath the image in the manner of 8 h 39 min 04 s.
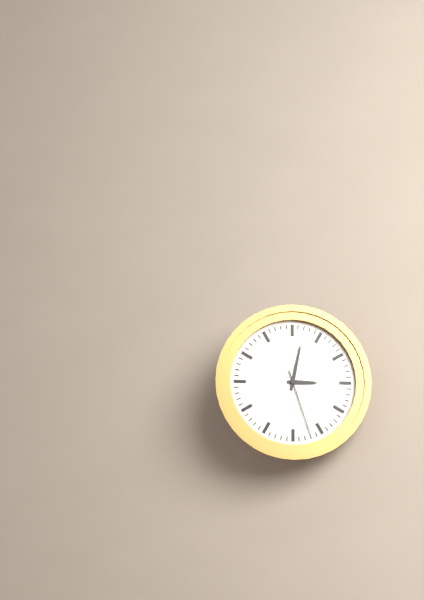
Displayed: 3 h 02 min 27 s
